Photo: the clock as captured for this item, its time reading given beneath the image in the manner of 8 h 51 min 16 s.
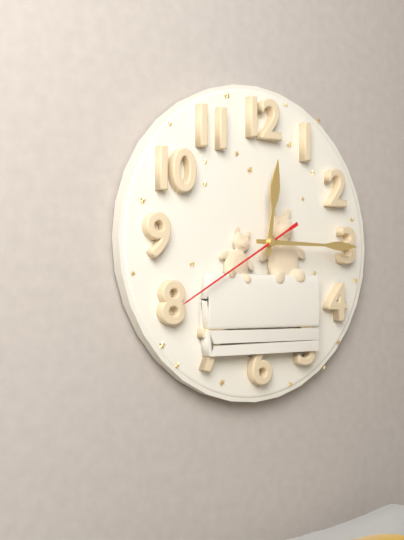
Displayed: 12 h 15 min 40 s
